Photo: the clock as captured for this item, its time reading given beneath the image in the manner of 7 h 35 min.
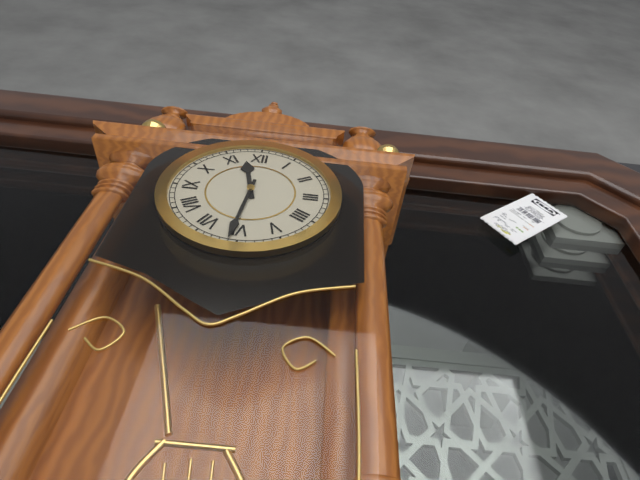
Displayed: 11 h 31 min
